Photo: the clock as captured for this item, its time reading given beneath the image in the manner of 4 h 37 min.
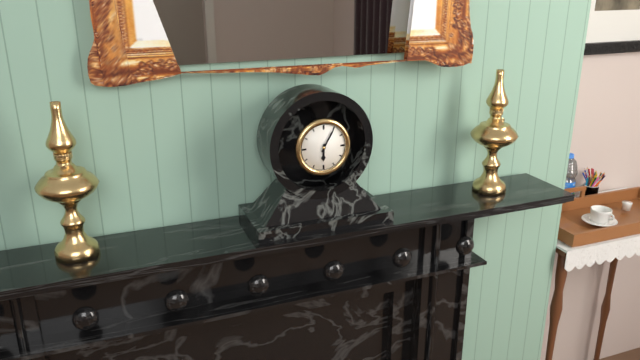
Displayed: 6 h 05 min
